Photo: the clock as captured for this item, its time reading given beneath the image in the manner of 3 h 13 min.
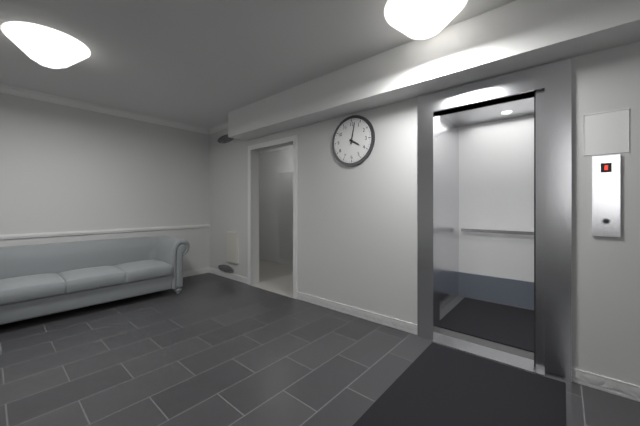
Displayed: 4 h 02 min
